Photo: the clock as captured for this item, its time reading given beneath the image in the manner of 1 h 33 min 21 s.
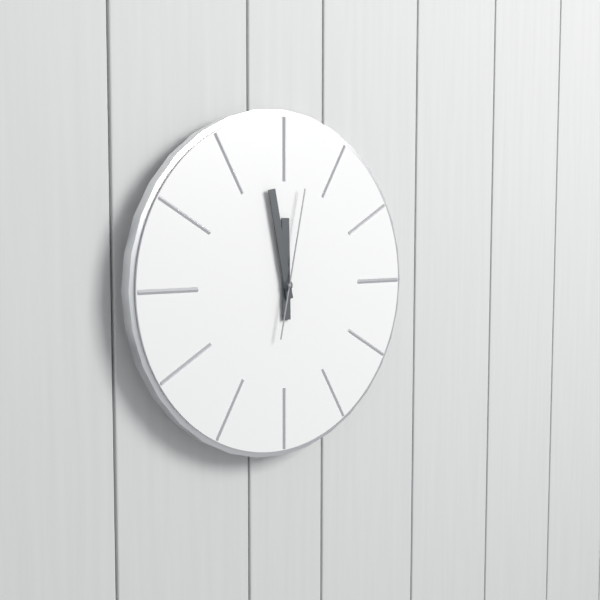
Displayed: 11 h 58 min 02 s
